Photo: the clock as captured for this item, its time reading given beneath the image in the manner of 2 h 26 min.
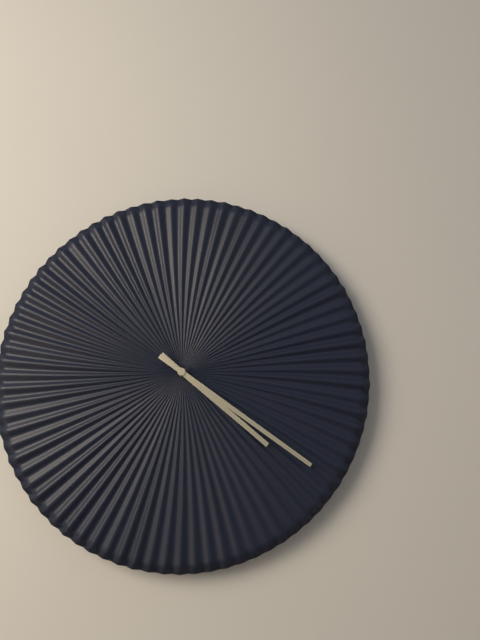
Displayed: 4 h 21 min
